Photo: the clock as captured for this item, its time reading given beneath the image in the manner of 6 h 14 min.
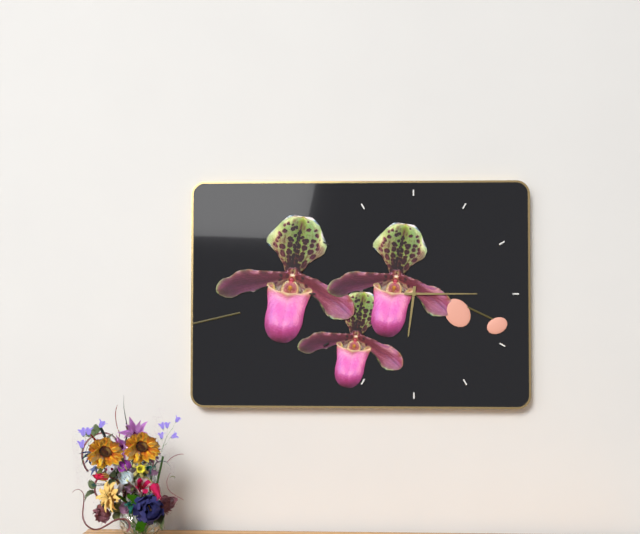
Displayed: 6 h 15 min
